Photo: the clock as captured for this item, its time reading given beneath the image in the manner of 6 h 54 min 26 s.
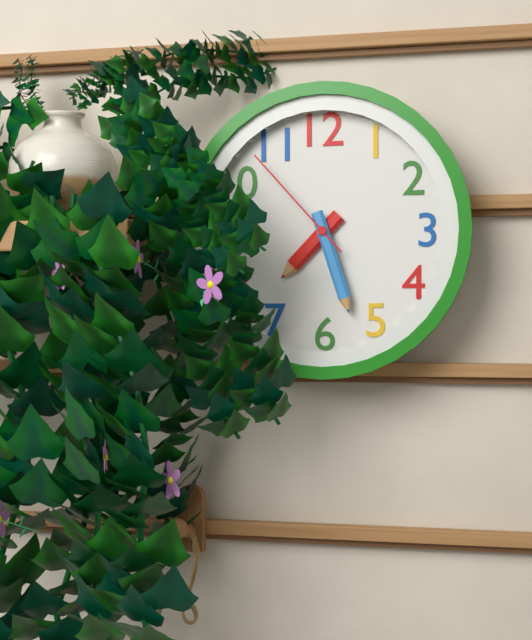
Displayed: 7 h 27 min 53 s
